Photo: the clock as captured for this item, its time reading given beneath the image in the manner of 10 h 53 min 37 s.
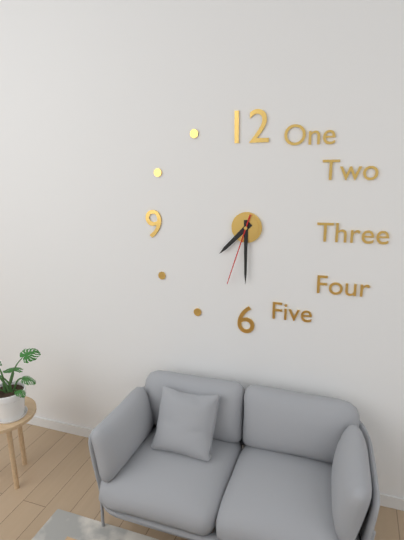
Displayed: 7 h 30 min 33 s
